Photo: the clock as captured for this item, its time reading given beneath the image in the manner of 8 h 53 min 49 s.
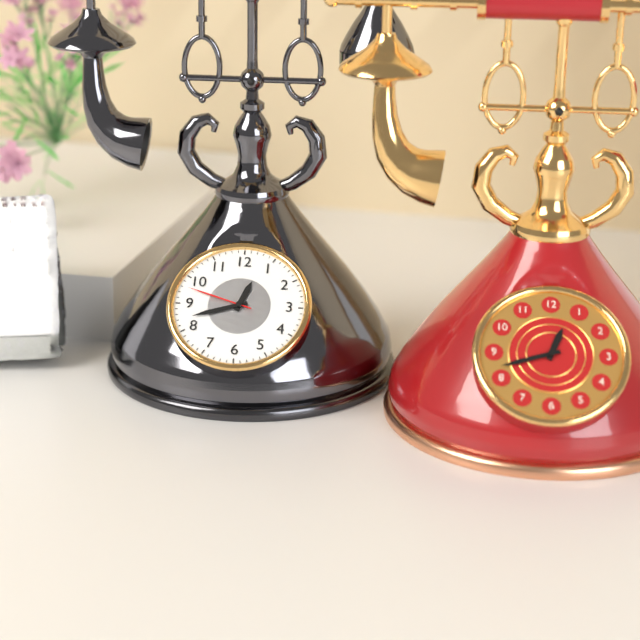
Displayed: 12 h 42 min 48 s
